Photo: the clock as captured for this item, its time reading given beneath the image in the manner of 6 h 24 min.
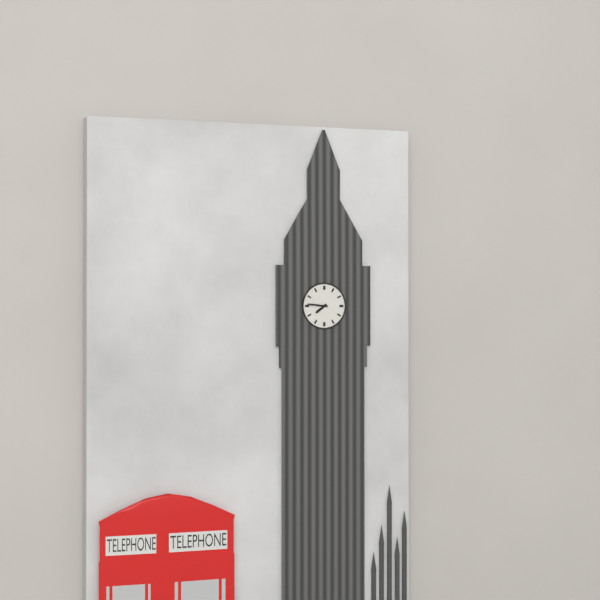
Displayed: 7 h 46 min
